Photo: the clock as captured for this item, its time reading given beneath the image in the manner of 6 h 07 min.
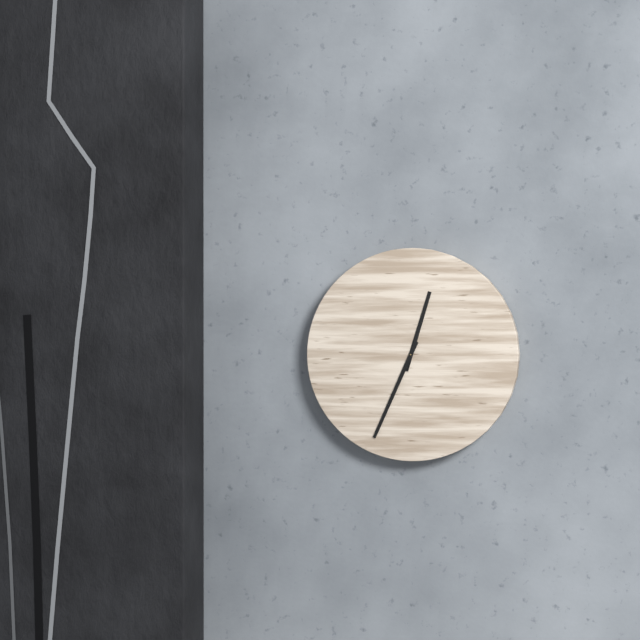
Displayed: 12 h 34 min
